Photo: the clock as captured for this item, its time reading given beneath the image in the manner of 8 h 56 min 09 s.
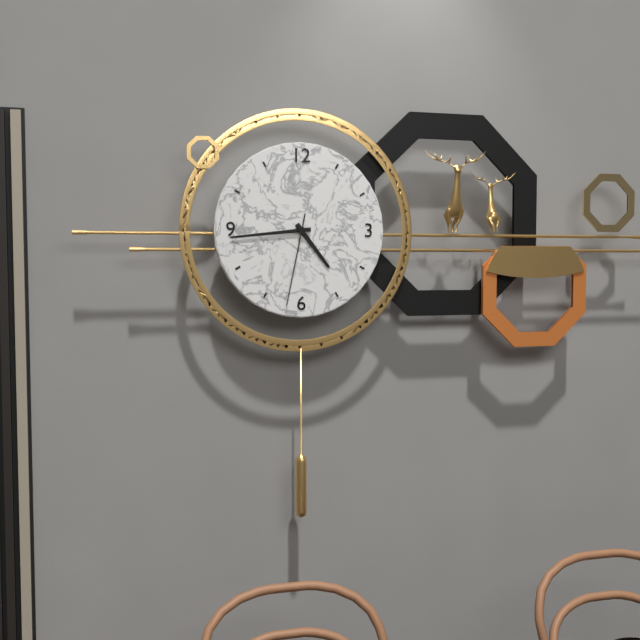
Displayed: 4 h 44 min 32 s
